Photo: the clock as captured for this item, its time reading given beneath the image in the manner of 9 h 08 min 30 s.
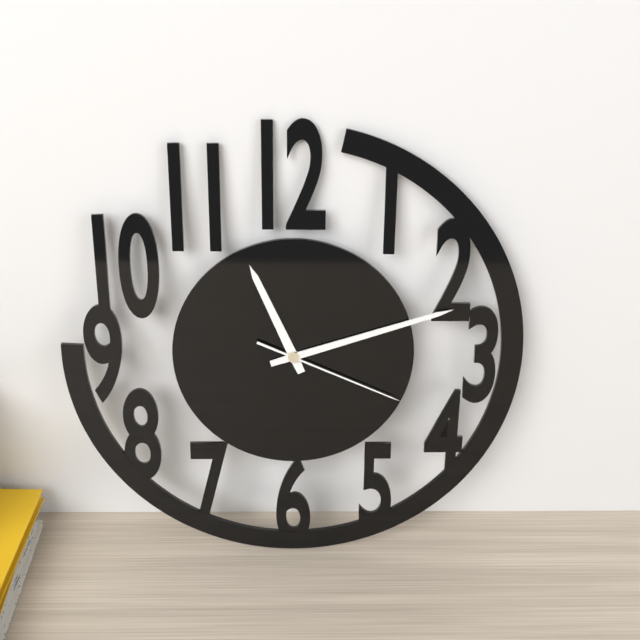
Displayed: 11 h 12 min 19 s
